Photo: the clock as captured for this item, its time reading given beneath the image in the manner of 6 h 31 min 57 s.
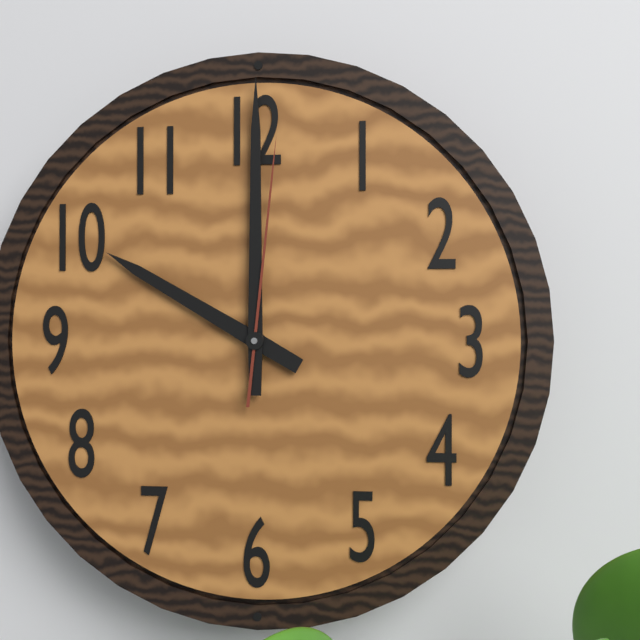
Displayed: 10 h 00 min 01 s
